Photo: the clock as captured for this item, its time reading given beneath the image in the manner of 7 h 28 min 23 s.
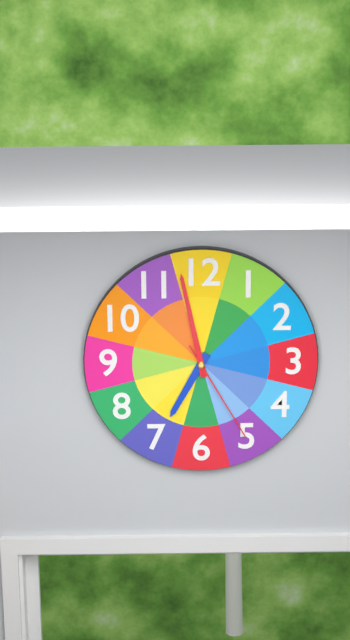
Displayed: 6 h 58 min 25 s
